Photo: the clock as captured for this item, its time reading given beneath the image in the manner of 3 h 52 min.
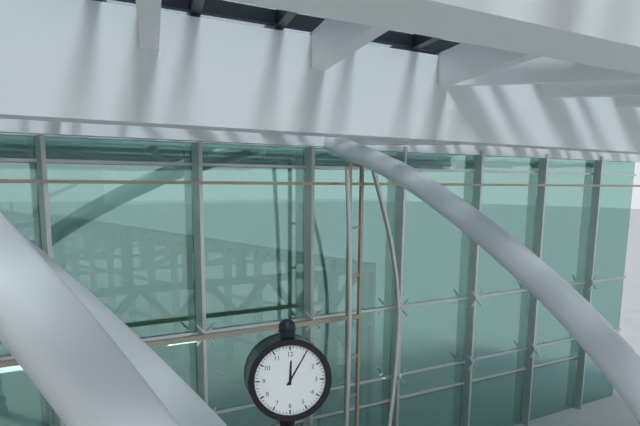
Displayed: 12 h 05 min
